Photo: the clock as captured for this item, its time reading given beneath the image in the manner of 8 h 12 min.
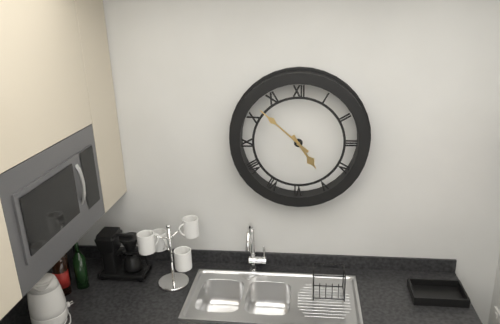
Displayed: 4 h 52 min
